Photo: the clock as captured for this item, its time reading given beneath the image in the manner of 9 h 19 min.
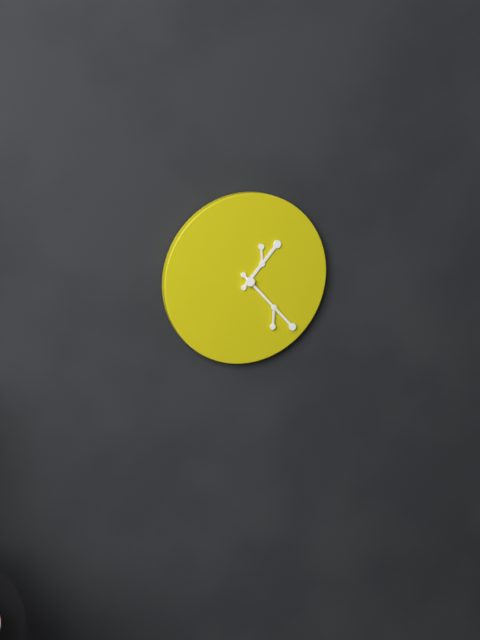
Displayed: 1 h 23 min
